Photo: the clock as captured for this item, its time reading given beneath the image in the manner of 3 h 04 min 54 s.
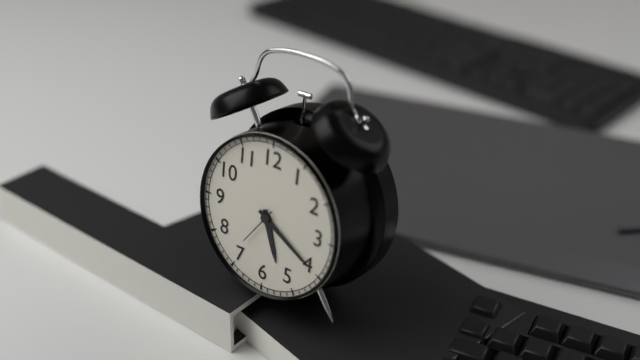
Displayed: 5 h 20 min 36 s
